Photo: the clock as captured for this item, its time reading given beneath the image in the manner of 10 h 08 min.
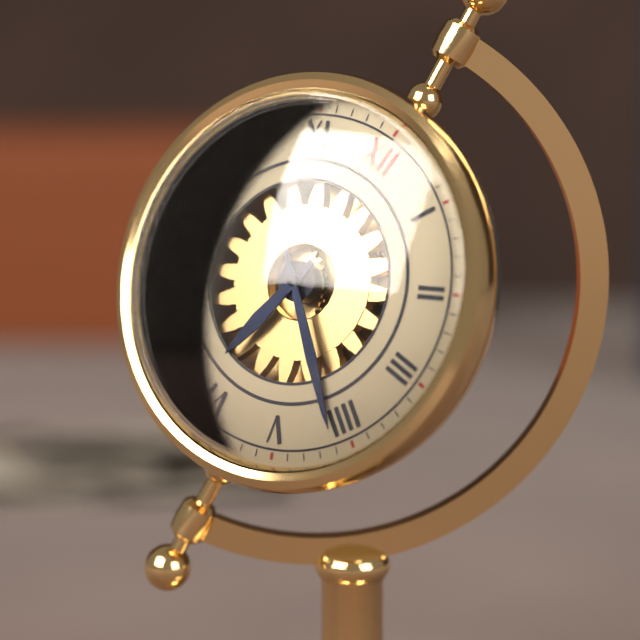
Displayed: 6 h 21 min
